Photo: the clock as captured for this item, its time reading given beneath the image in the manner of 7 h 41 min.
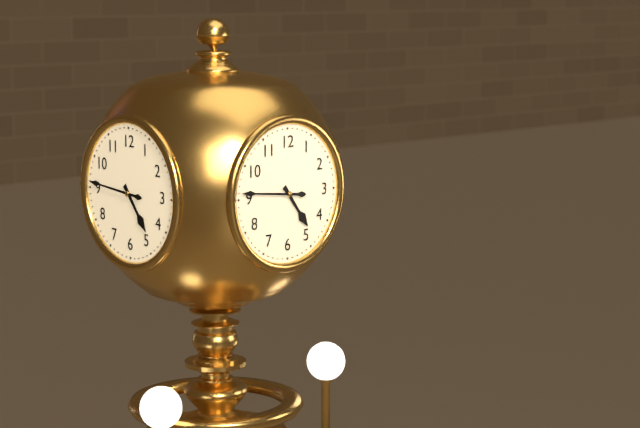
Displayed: 4 h 46 min
